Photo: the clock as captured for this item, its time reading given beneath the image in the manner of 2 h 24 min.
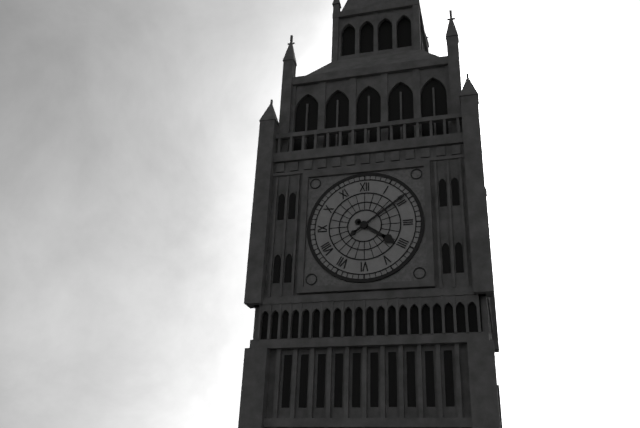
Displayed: 4 h 09 min
